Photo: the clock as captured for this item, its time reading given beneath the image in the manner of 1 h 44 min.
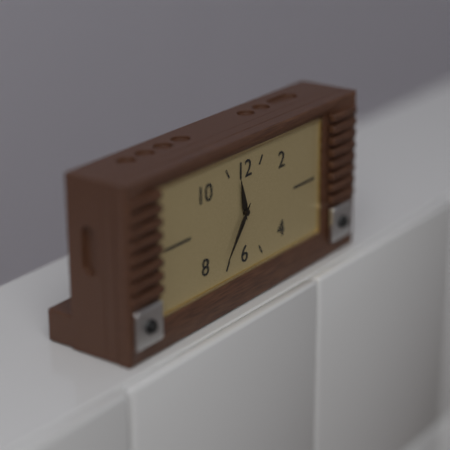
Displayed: 11 h 36 min
